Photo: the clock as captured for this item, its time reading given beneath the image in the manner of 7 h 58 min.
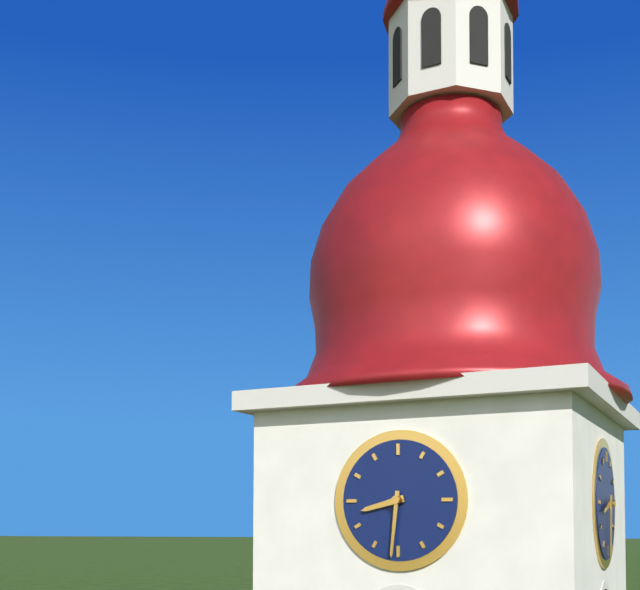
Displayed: 8 h 31 min
